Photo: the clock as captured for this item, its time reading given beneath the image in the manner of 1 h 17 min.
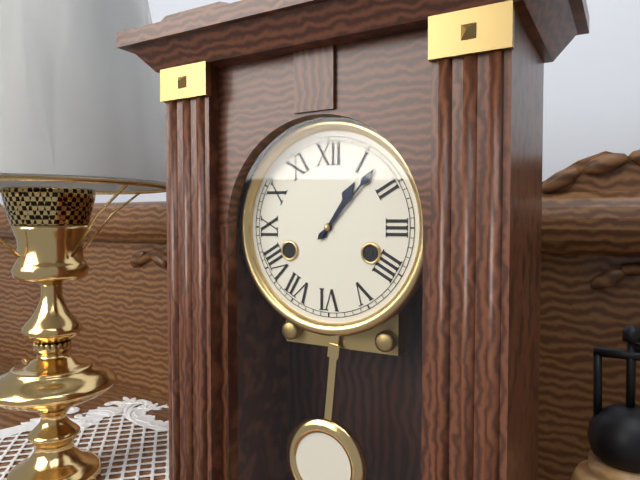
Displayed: 1 h 07 min
